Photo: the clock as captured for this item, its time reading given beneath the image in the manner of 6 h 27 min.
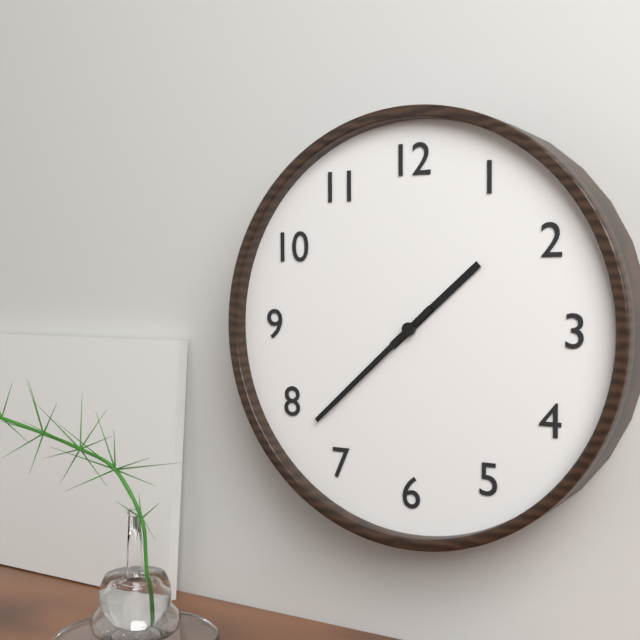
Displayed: 1 h 38 min
